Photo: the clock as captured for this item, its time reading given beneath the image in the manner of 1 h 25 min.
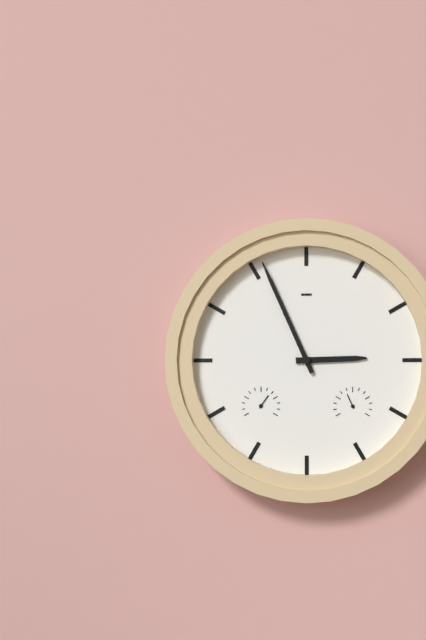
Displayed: 2 h 56 min
